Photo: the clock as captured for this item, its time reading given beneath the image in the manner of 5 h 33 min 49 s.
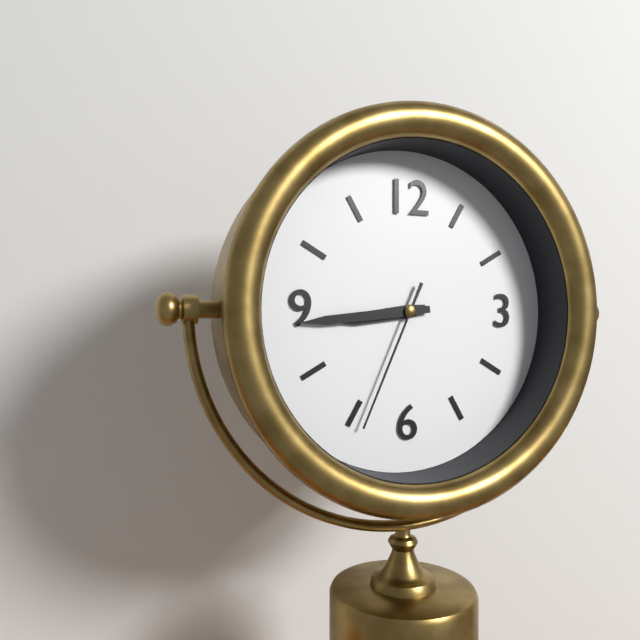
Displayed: 8 h 44 min 34 s
